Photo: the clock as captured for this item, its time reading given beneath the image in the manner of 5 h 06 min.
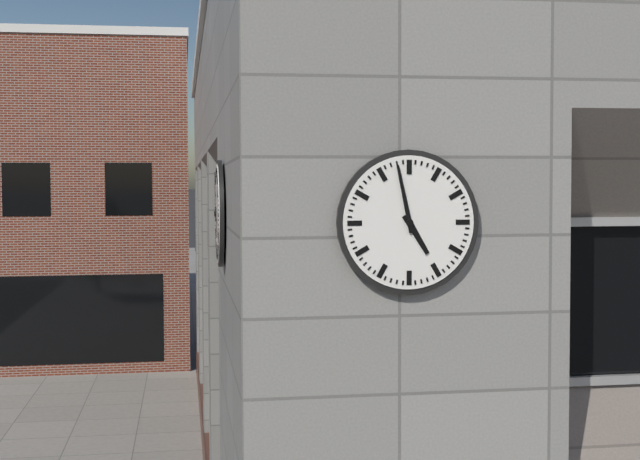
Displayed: 4 h 58 min
